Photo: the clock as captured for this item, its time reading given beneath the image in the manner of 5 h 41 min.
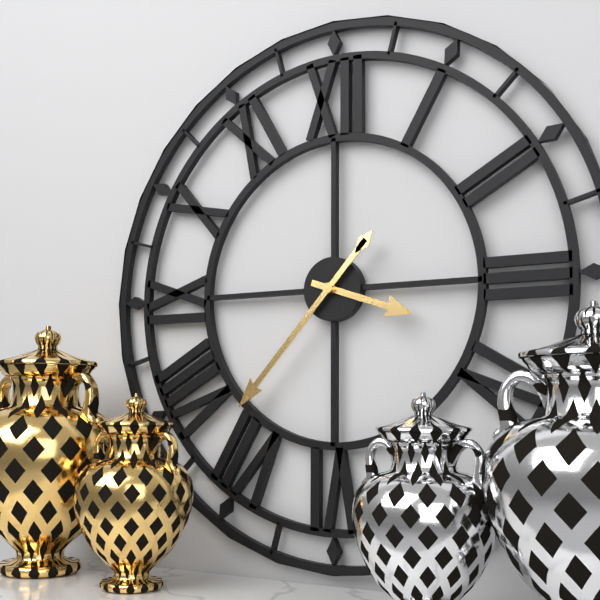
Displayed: 3 h 37 min
